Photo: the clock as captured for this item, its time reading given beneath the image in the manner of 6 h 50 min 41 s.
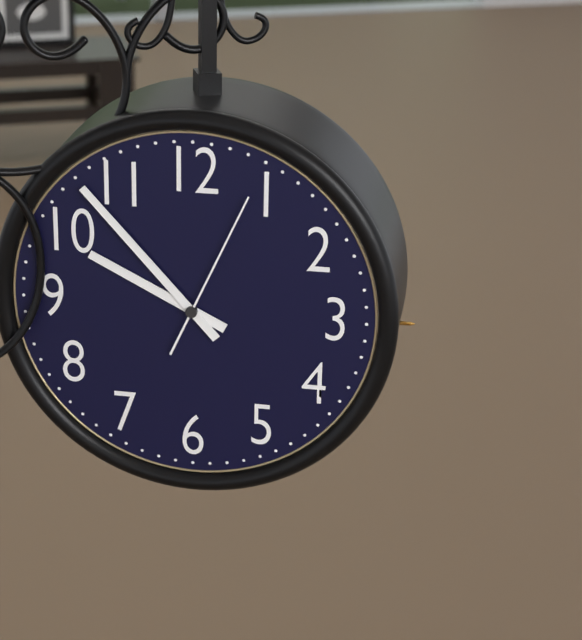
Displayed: 9 h 53 min 04 s
